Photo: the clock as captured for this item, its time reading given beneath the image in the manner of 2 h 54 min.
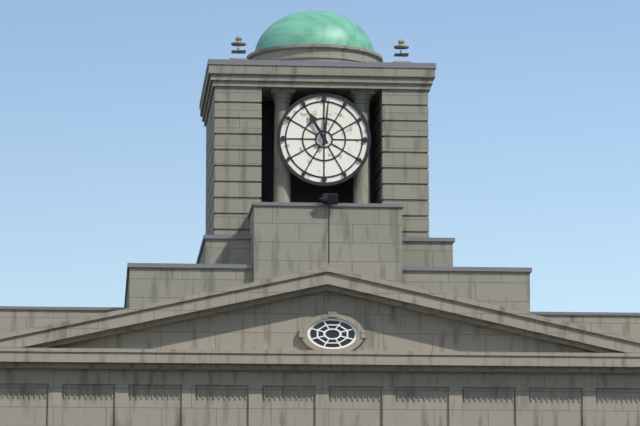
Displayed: 11 h 01 min
